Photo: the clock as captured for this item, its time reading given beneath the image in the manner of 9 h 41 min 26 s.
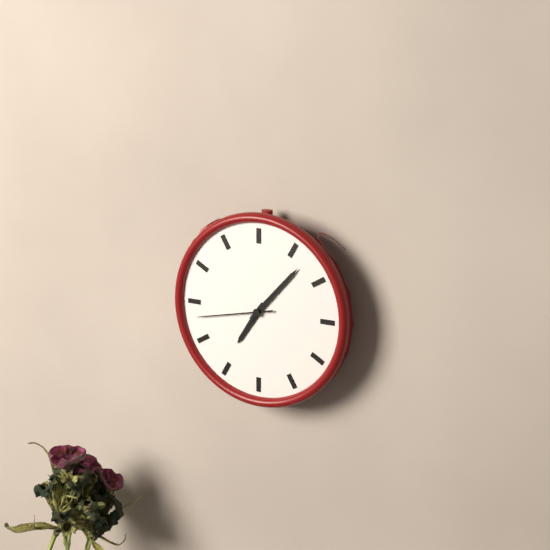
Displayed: 7 h 07 min 43 s
